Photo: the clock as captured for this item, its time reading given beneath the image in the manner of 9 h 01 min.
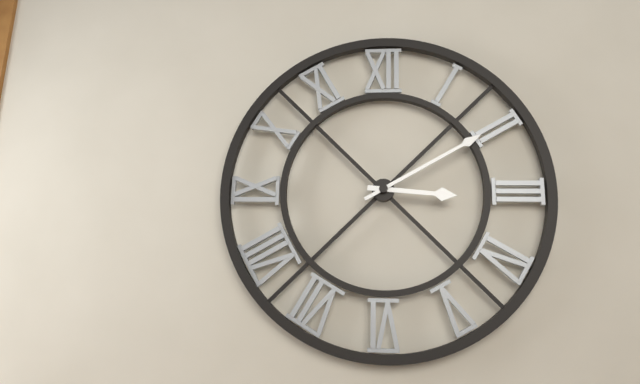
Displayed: 3 h 10 min
